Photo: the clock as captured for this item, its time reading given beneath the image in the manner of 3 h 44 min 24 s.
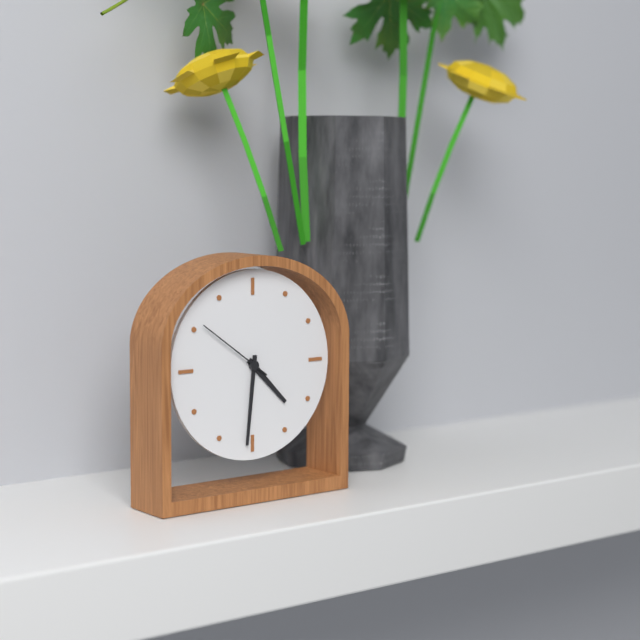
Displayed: 4 h 31 min 51 s
